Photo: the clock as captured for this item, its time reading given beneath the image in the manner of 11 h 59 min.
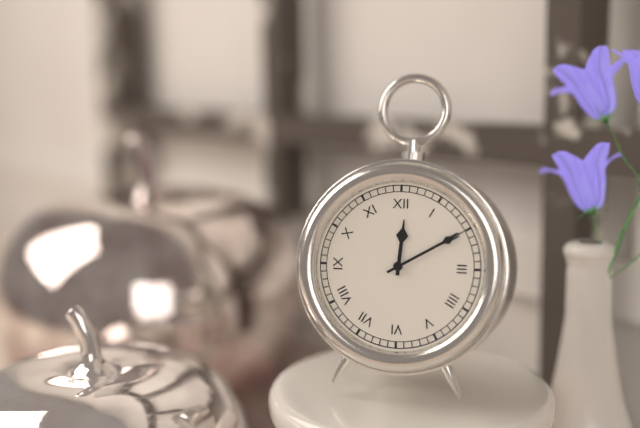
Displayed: 12 h 10 min
